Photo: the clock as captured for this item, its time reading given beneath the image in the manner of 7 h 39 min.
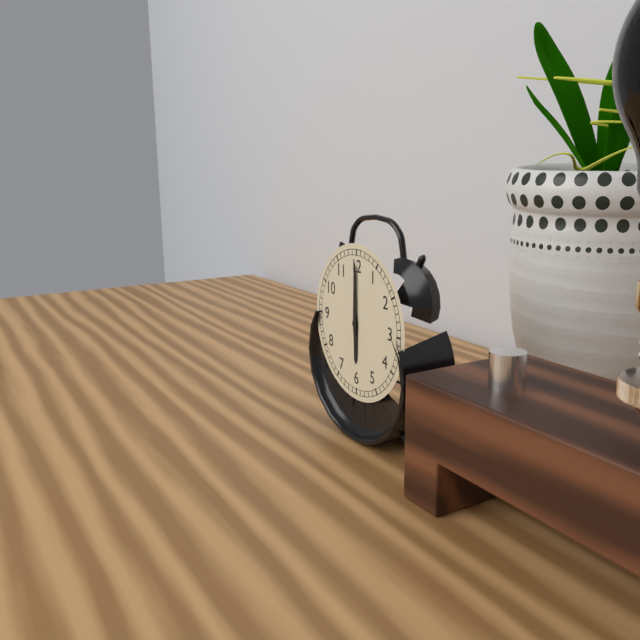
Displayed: 6 h 00 min
